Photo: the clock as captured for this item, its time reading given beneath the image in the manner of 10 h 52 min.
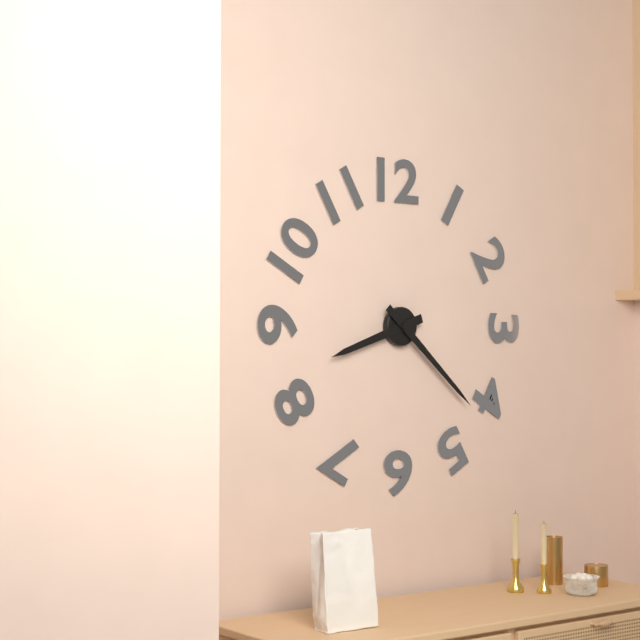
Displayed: 8 h 22 min
